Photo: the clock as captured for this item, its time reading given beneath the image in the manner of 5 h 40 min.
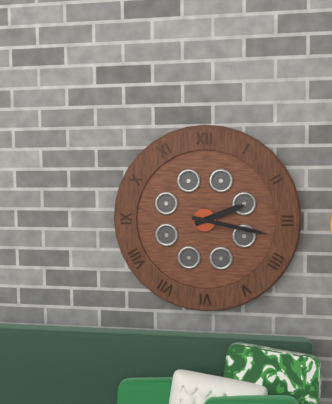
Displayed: 2 h 17 min
